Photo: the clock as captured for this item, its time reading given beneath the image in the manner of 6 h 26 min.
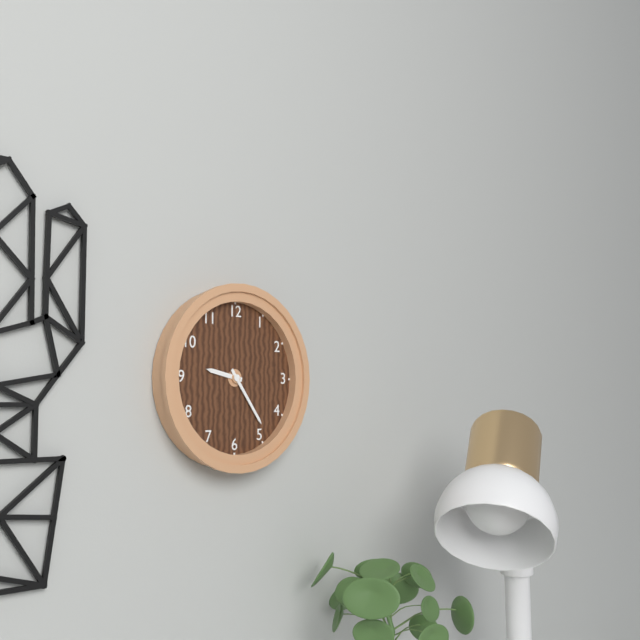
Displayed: 9 h 24 min
